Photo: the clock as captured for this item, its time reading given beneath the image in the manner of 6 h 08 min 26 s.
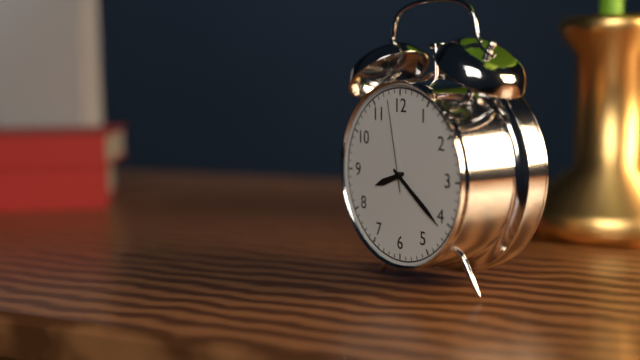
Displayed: 8 h 21 min 58 s
